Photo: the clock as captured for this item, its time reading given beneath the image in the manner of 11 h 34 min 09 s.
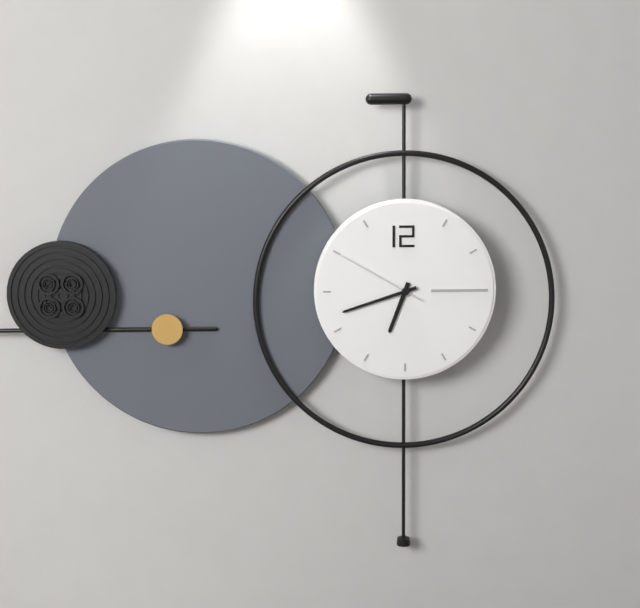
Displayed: 6 h 42 min 50 s
